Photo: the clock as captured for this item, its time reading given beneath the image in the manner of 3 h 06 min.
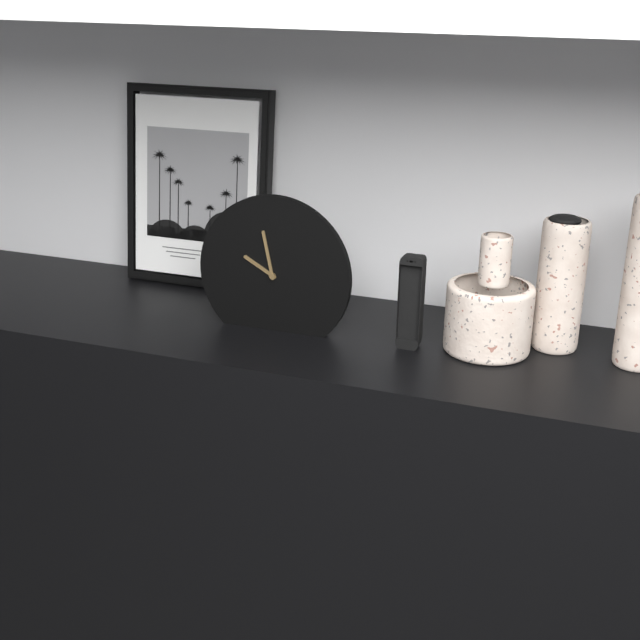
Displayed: 9 h 58 min
